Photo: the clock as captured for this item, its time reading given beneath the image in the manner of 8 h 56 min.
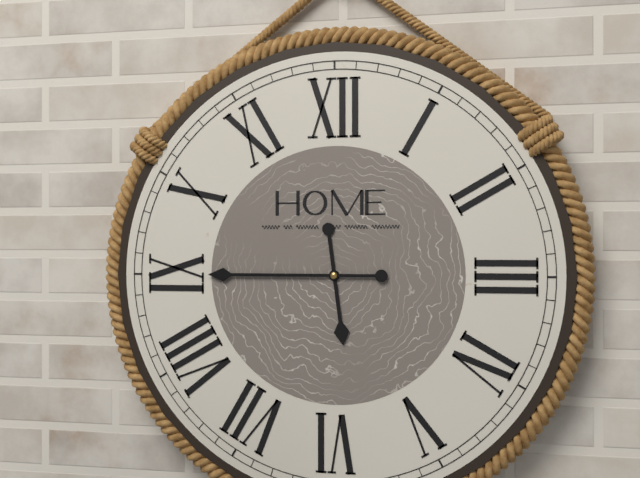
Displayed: 5 h 45 min
